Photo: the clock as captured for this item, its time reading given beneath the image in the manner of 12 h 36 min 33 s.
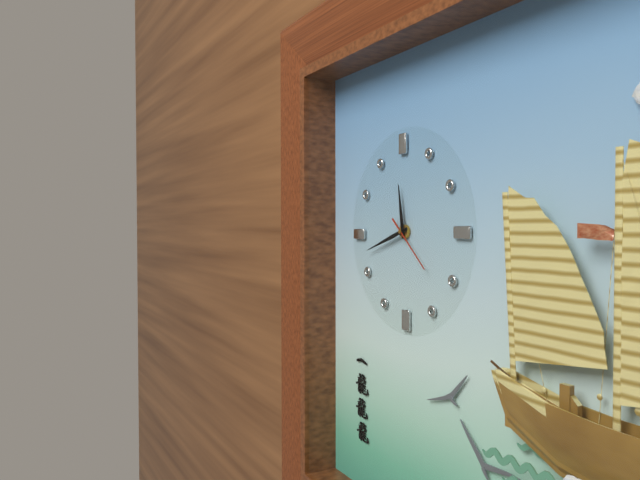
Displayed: 11 h 42 min 22 s
